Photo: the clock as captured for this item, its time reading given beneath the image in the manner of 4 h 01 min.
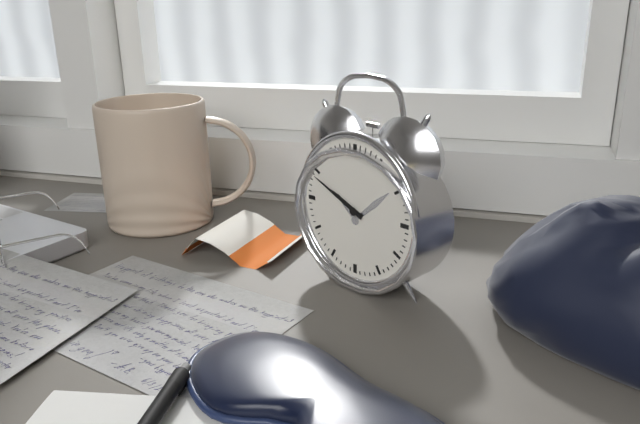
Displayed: 9 h 49 min
